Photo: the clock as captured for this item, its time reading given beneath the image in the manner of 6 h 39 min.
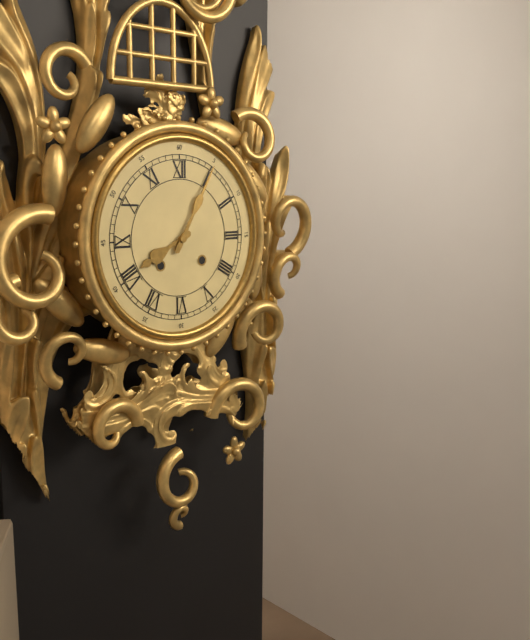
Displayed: 8 h 05 min
